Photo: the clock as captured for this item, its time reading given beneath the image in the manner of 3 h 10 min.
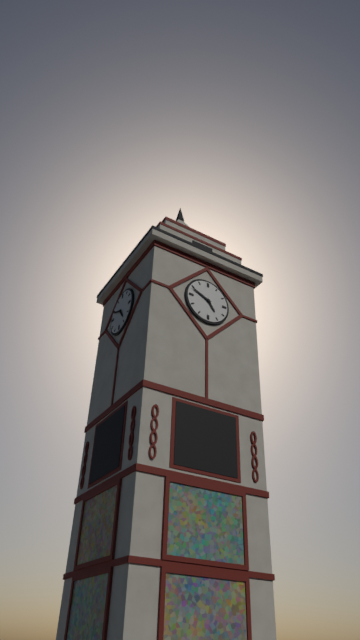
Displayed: 4 h 49 min
